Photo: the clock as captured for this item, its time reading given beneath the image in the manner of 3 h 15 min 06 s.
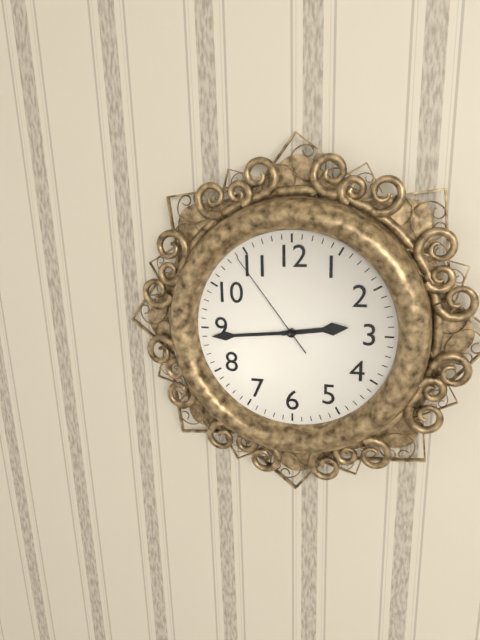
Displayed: 2 h 44 min 54 s
